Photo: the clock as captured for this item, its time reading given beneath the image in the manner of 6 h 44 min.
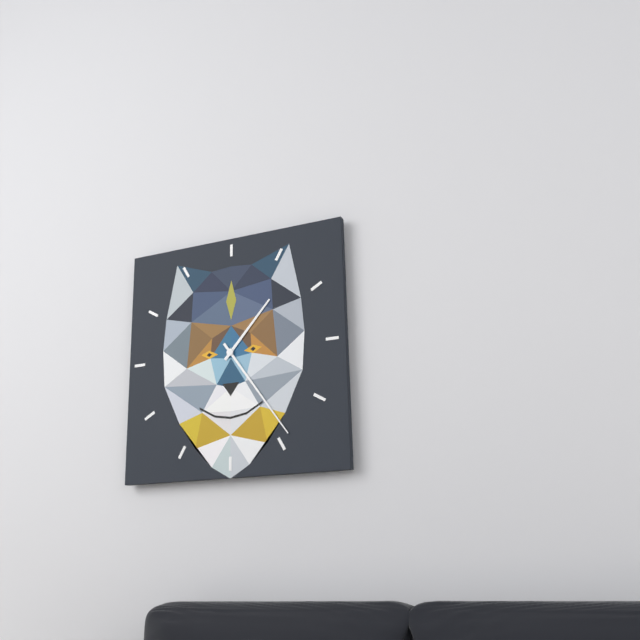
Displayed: 1 h 24 min
